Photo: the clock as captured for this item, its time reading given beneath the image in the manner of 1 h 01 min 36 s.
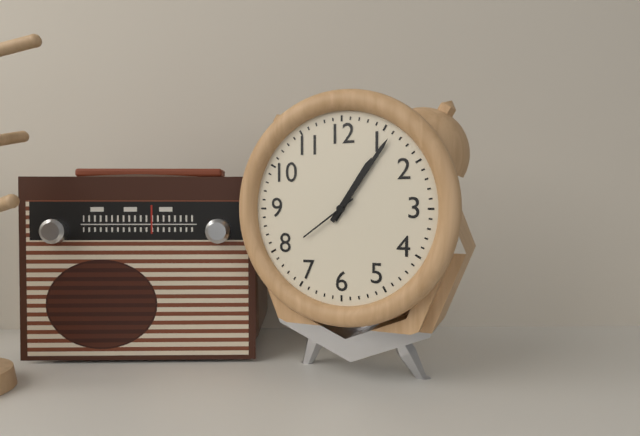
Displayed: 1 h 06 min 39 s
